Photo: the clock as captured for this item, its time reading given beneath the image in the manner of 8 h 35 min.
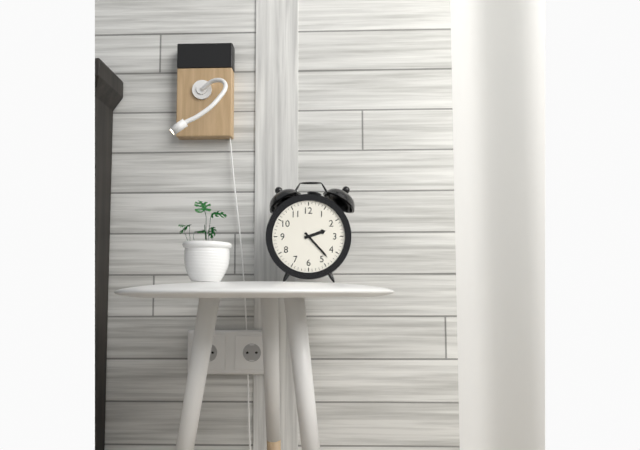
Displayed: 2 h 23 min
